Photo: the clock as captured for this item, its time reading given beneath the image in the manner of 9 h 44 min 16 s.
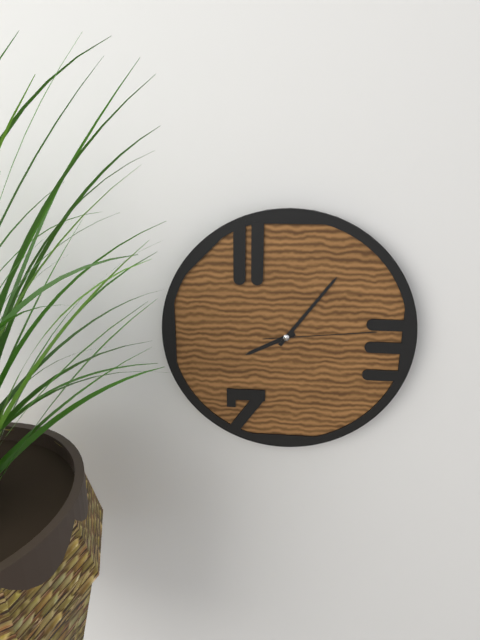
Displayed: 8 h 06 min 14 s
